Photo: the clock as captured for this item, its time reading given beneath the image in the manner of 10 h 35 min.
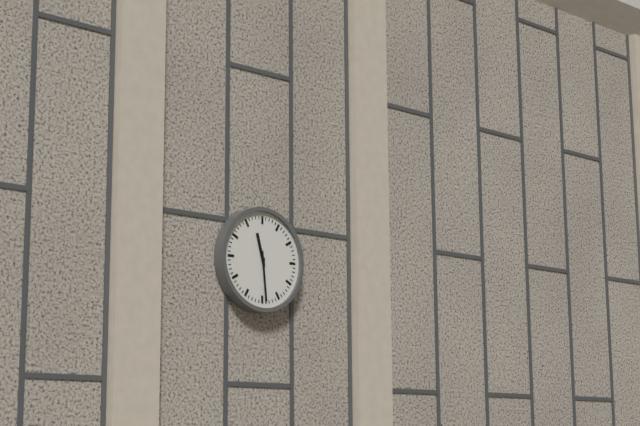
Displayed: 11 h 29 min
